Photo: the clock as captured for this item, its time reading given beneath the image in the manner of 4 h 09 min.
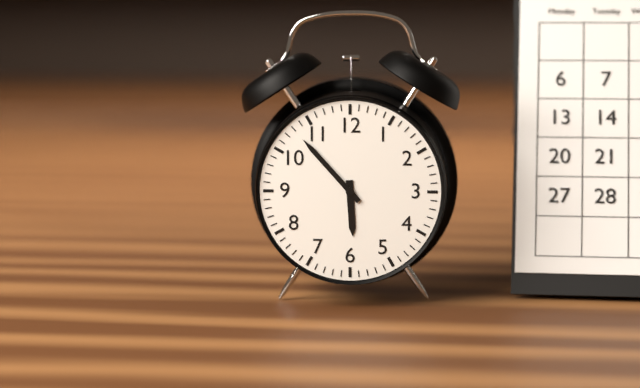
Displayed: 5 h 53 min
